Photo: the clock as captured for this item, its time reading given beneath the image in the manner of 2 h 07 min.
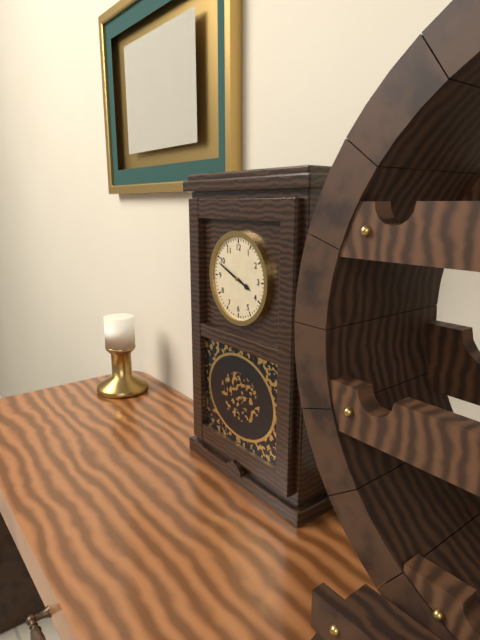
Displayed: 3 h 49 min
